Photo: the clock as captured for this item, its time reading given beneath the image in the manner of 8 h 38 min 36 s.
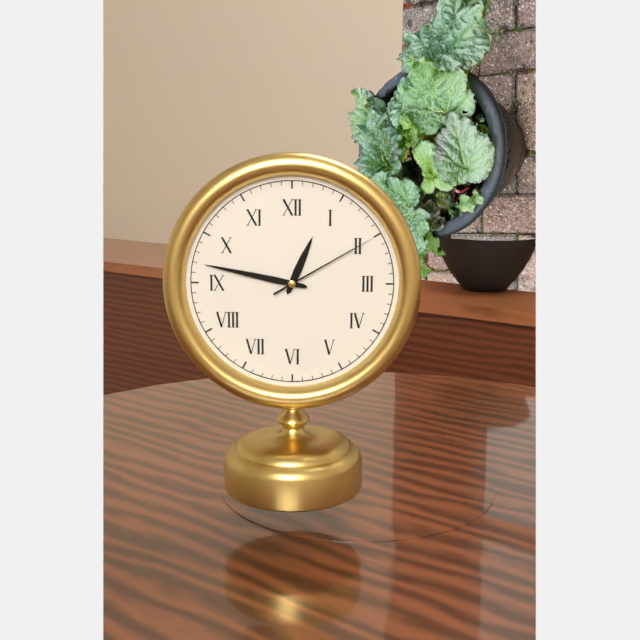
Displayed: 12 h 47 min 10 s
